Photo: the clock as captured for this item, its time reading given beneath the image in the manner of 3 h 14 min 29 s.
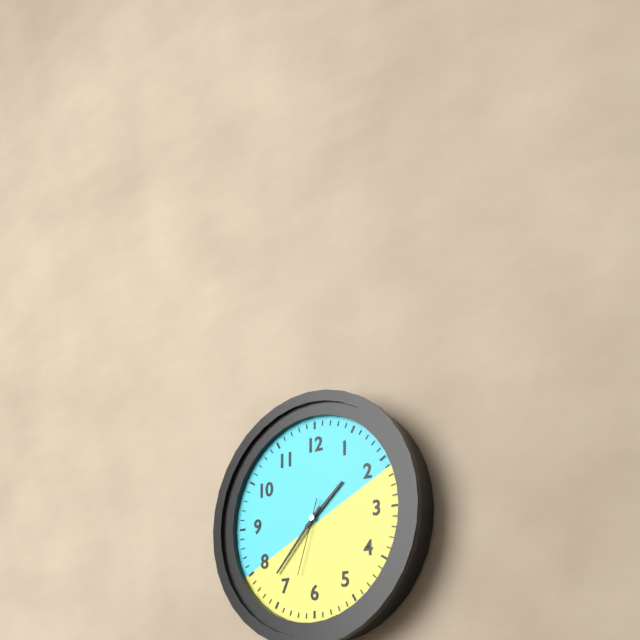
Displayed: 1 h 37 min 33 s
